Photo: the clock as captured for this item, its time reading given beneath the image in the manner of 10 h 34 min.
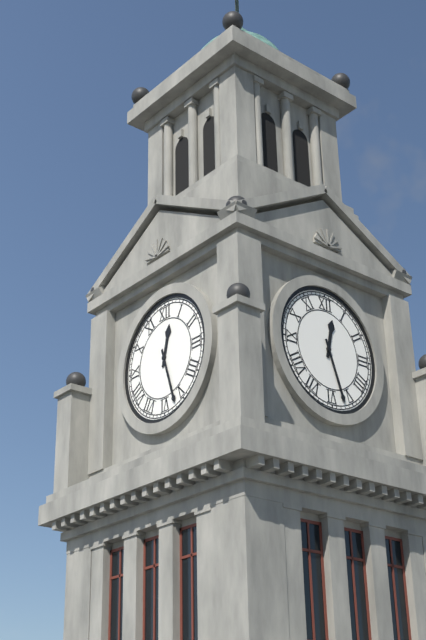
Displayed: 12 h 27 min
